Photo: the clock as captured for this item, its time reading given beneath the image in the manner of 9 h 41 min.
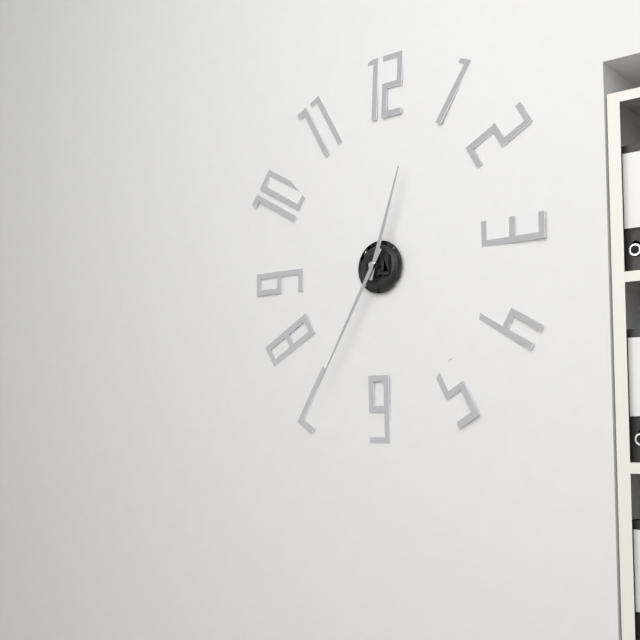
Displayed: 12 h 35 min
